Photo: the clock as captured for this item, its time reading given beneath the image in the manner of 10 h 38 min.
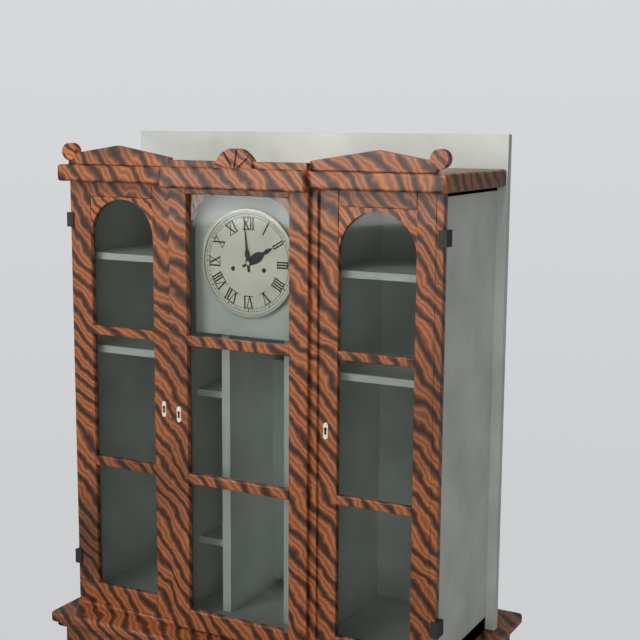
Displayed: 1 h 59 min
